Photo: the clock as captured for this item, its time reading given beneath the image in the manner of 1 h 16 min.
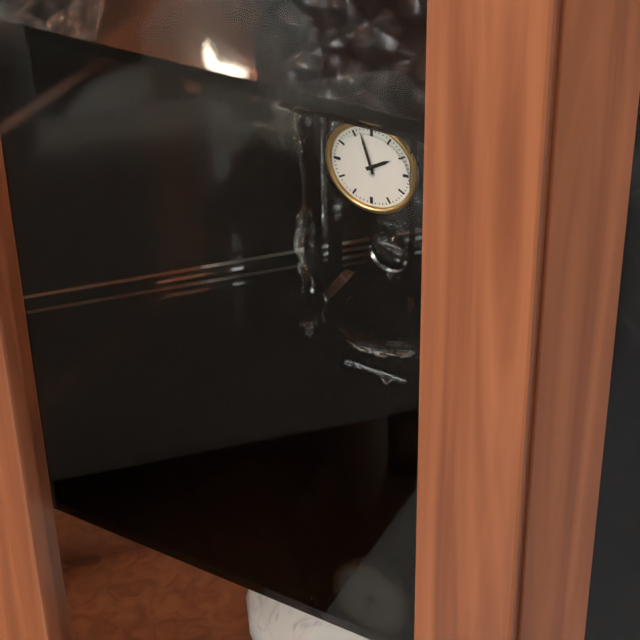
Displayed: 1 h 57 min
